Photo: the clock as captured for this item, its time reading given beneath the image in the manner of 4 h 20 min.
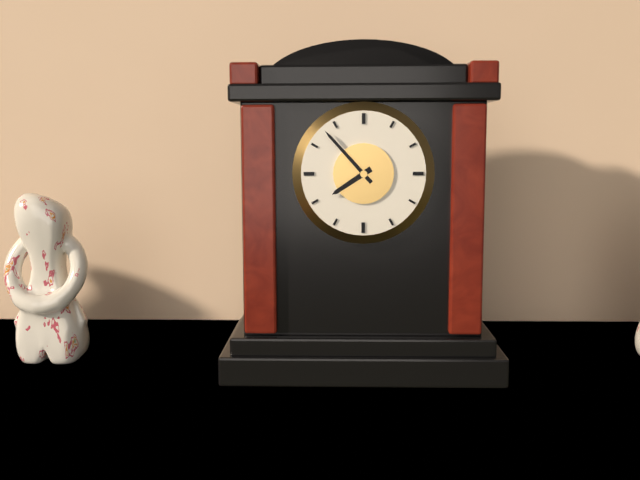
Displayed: 7 h 53 min
